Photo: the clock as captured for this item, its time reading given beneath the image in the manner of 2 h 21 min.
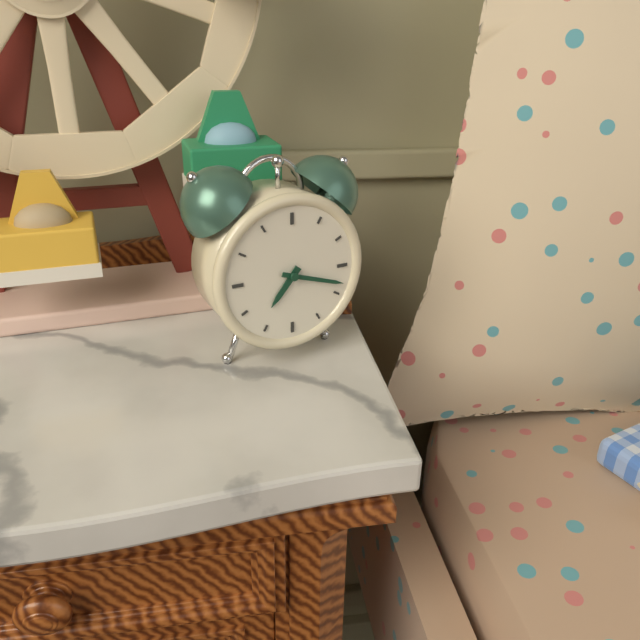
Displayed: 7 h 18 min
